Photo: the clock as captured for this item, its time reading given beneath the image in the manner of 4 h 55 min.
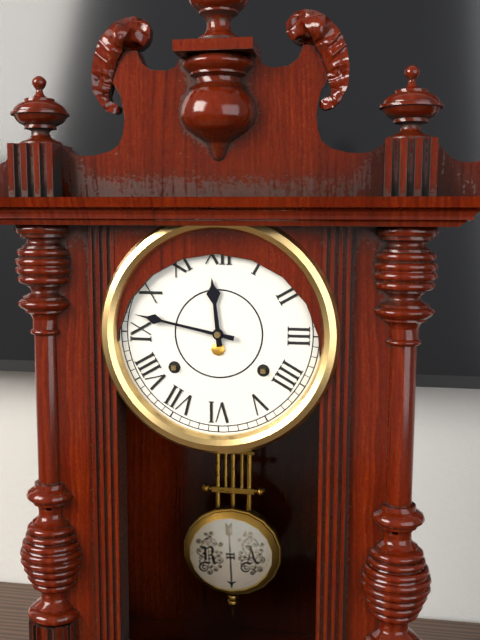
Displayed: 11 h 47 min
